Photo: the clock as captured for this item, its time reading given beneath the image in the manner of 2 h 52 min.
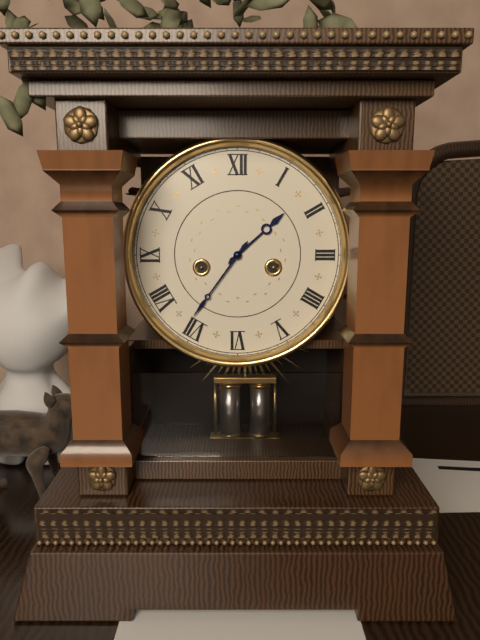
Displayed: 1 h 36 min
